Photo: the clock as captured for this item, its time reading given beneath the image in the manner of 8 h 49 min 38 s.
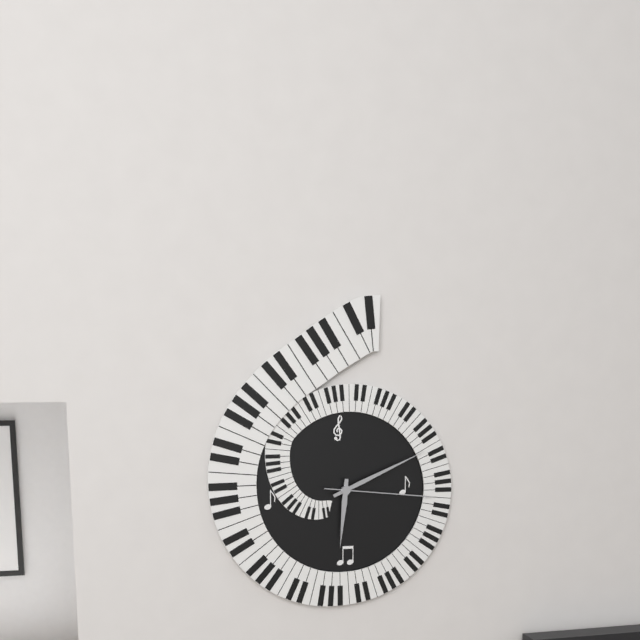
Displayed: 6 h 11 min 16 s
